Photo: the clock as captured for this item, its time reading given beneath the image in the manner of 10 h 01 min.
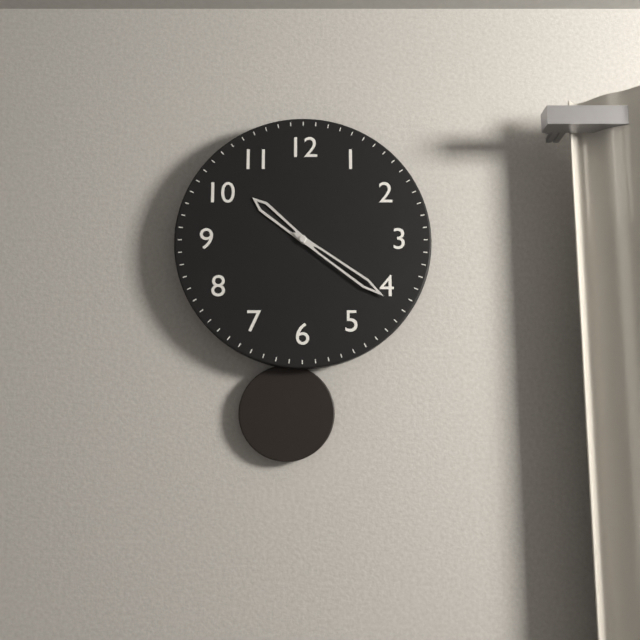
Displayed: 10 h 21 min
